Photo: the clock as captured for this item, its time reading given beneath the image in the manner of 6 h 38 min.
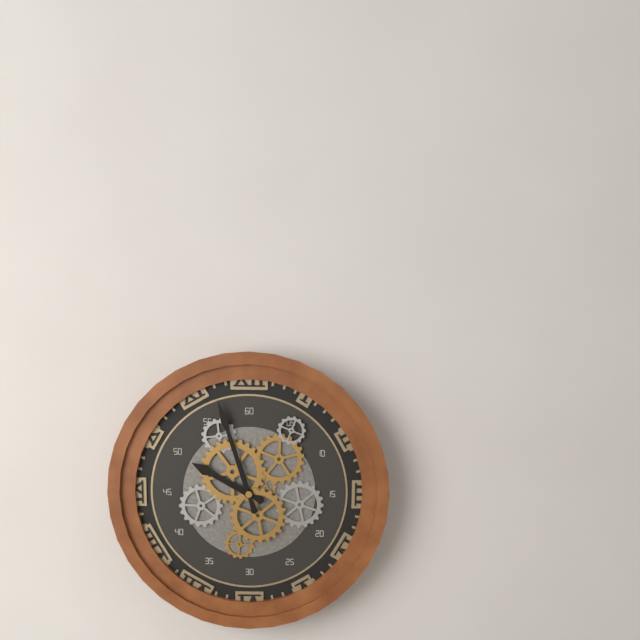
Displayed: 9 h 57 min
